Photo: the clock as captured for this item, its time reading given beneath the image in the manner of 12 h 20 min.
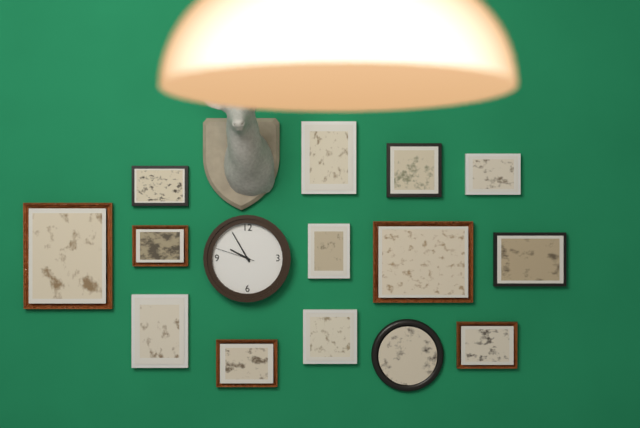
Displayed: 9 h 55 min
